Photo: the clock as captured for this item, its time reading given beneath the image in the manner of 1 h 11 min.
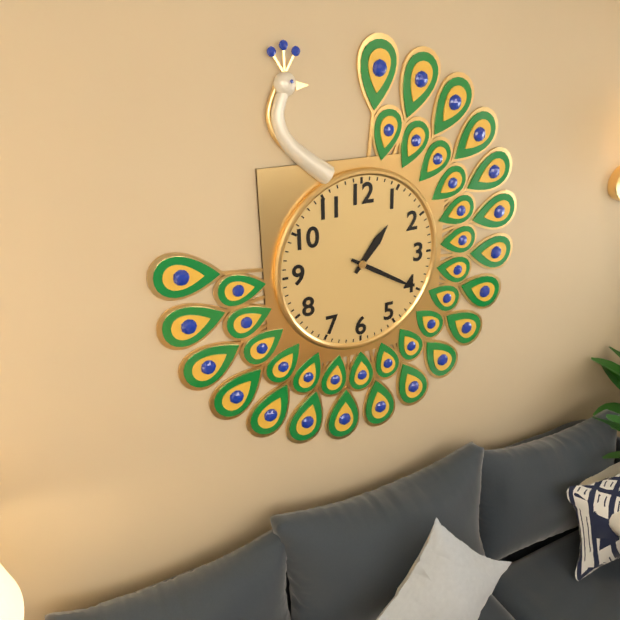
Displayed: 1 h 20 min
